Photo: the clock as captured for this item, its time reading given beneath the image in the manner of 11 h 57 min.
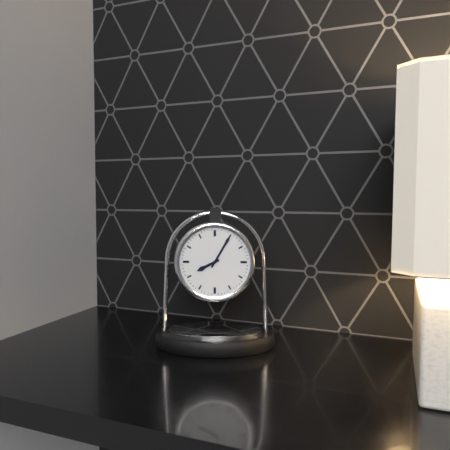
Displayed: 8 h 05 min
